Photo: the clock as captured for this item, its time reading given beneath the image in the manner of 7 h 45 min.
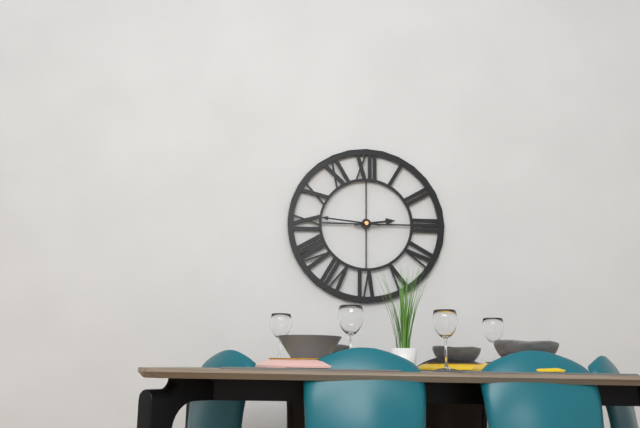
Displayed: 2 h 46 min
